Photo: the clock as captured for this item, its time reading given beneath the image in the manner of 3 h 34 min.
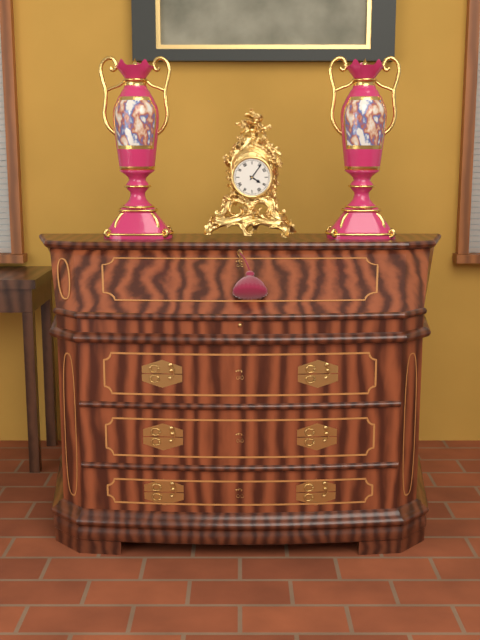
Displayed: 4 h 06 min
